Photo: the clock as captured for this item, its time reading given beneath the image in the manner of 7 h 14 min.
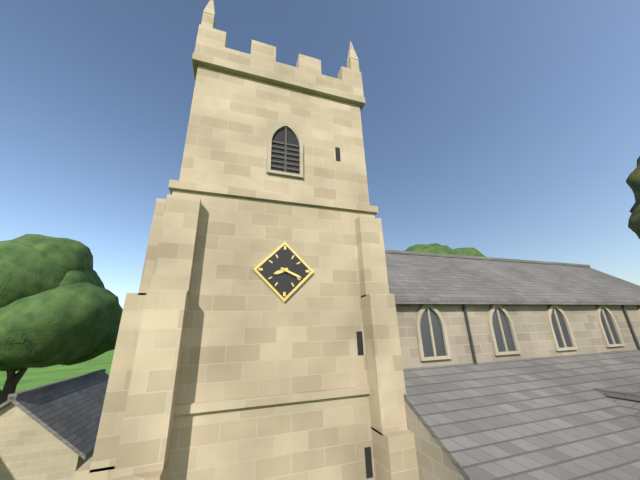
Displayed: 8 h 19 min
